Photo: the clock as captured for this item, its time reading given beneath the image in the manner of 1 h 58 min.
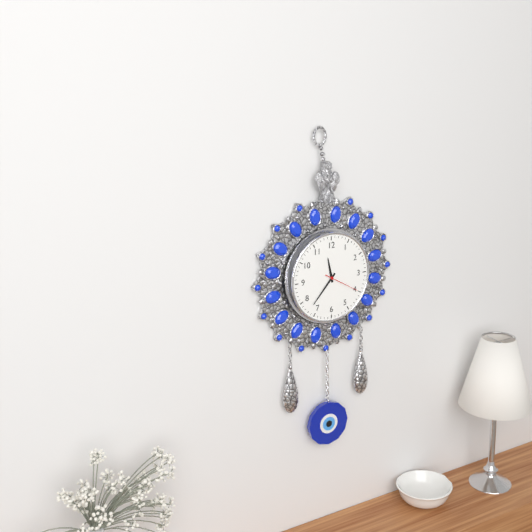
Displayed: 11 h 37 min
